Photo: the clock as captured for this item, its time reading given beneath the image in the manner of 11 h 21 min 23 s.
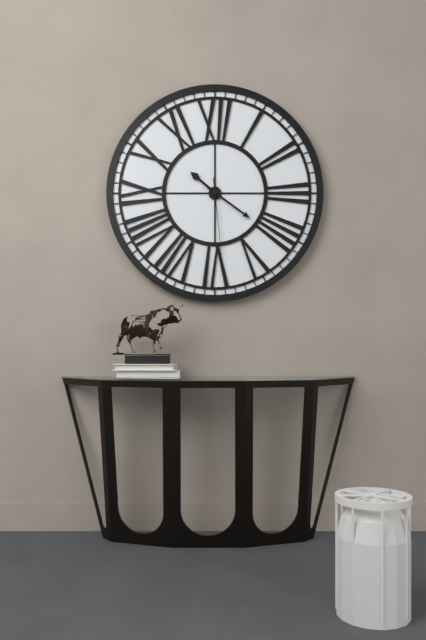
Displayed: 10 h 21 min 29 s
